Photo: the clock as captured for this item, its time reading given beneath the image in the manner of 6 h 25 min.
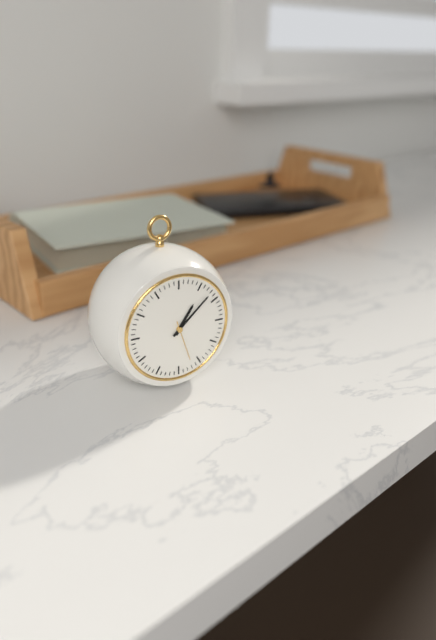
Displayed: 1 h 08 min
